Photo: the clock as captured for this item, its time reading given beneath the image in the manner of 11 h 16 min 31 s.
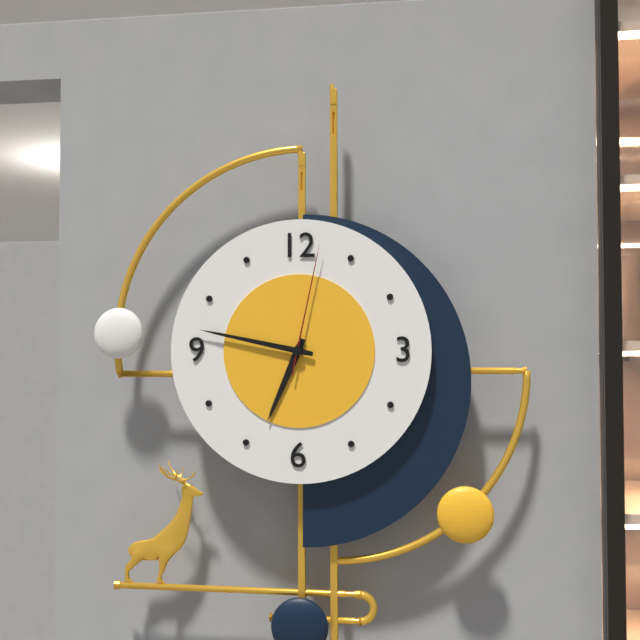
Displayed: 6 h 47 min 02 s
